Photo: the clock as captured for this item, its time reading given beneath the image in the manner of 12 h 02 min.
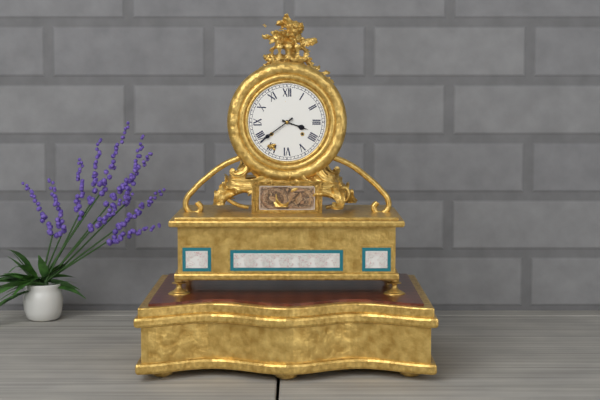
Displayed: 3 h 39 min
